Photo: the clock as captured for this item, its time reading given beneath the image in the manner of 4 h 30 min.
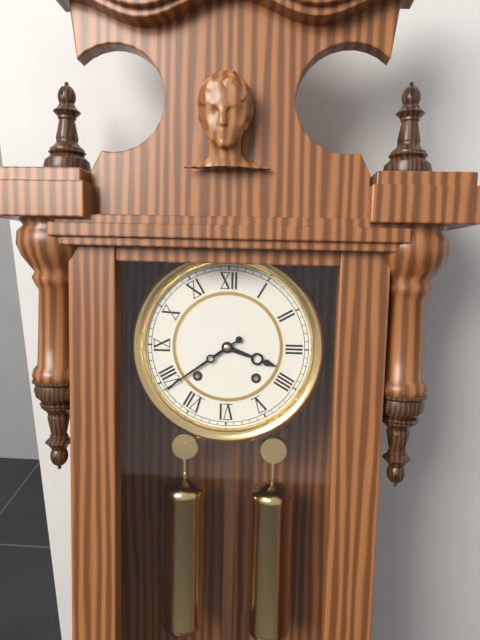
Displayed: 3 h 39 min
